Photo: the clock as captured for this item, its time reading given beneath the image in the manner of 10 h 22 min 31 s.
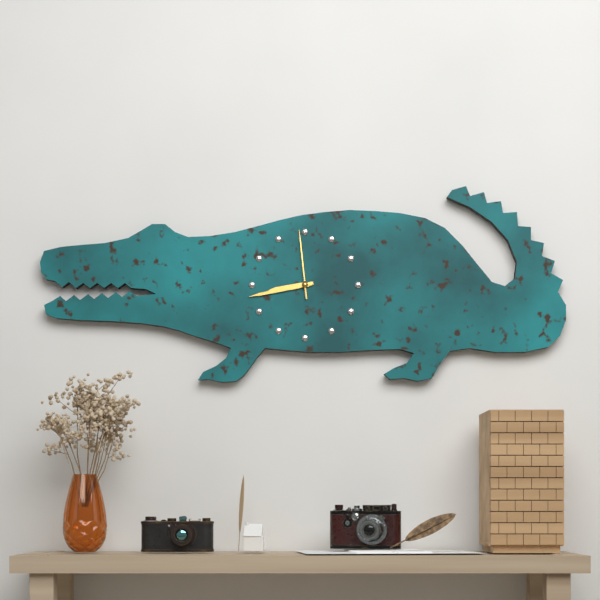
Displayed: 8 h 43 min 59 s
